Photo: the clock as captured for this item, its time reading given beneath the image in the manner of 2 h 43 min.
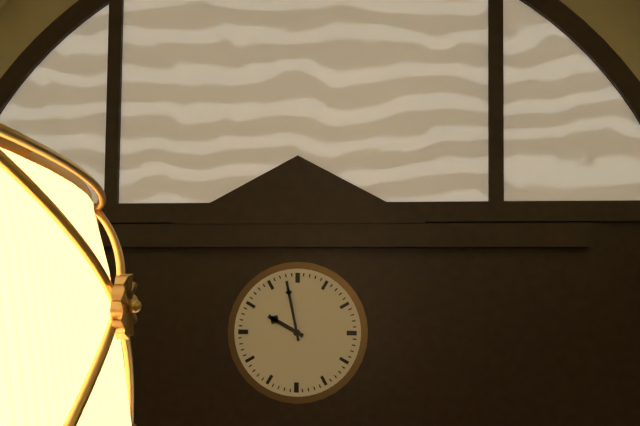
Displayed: 9 h 58 min
